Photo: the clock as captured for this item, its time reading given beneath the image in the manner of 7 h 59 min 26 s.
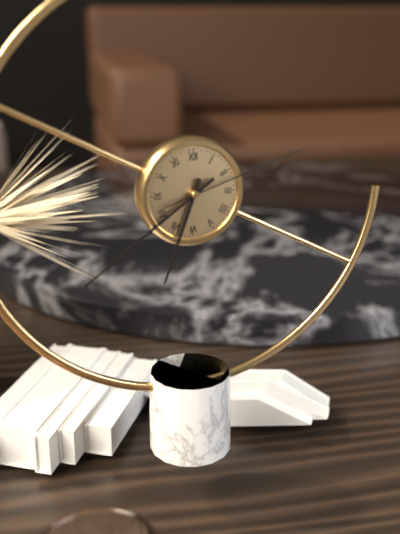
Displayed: 6 h 39 min 12 s
